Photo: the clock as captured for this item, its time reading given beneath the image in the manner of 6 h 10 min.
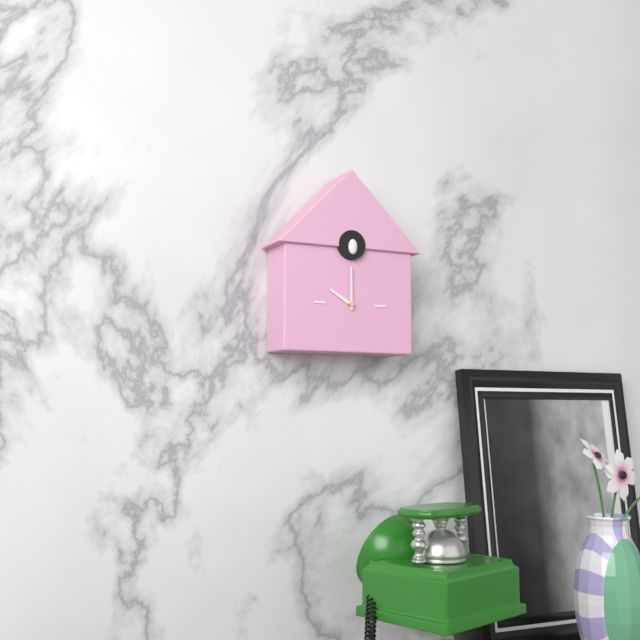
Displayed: 10 h 00 min
